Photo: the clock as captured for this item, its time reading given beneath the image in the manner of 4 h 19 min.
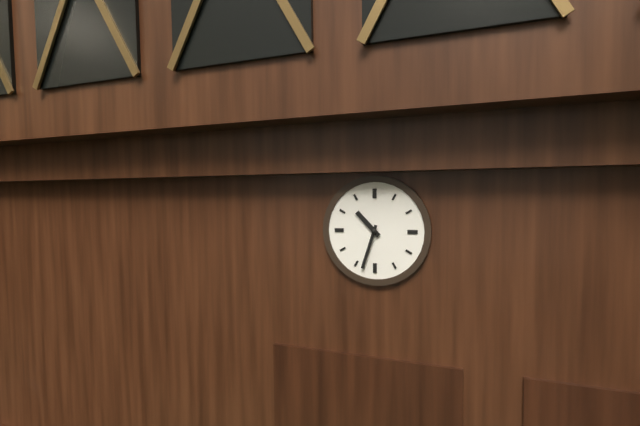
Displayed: 10 h 33 min
